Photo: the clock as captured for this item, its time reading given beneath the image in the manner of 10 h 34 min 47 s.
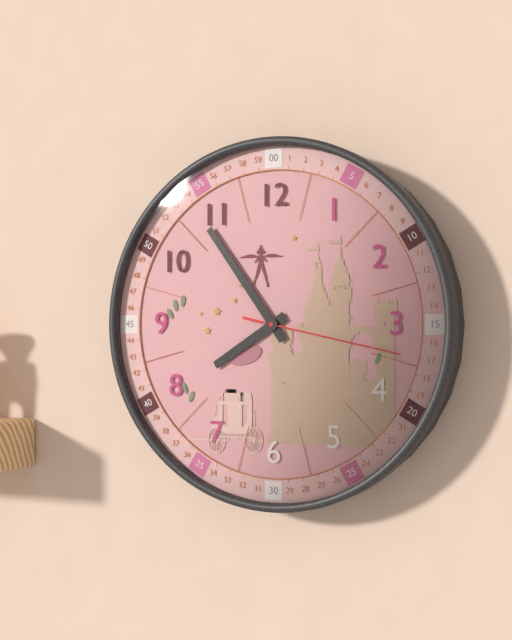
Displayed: 7 h 54 min 17 s
